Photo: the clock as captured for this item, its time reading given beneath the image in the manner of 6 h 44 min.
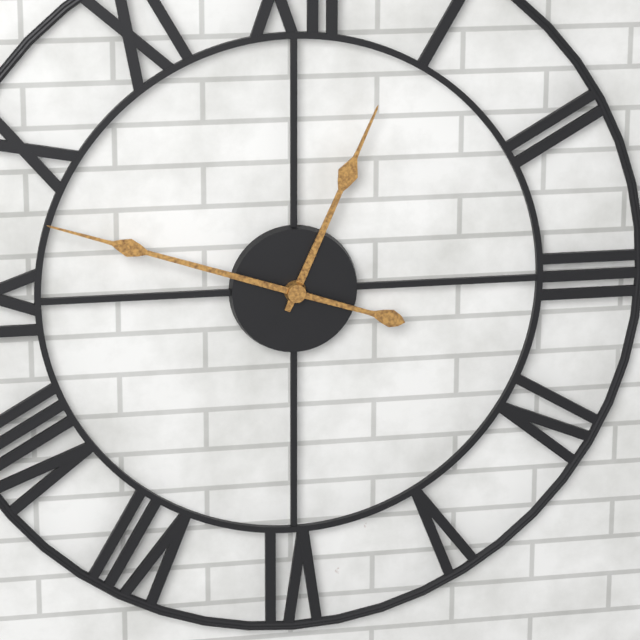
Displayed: 12 h 48 min
